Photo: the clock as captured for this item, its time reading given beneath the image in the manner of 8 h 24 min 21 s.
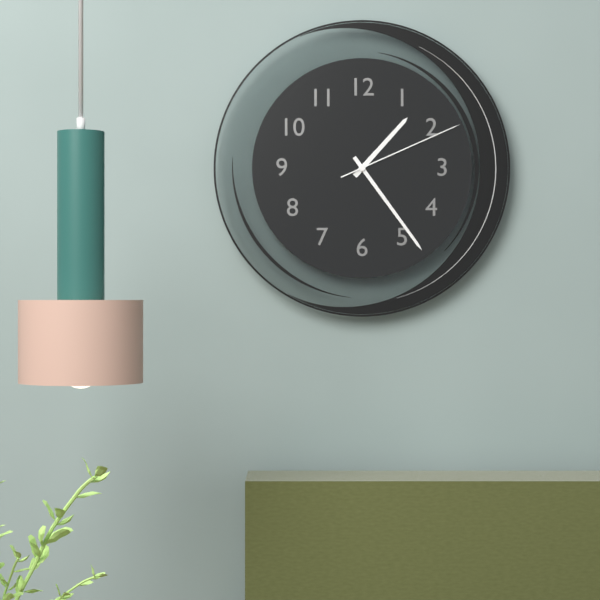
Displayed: 1 h 24 min 11 s
